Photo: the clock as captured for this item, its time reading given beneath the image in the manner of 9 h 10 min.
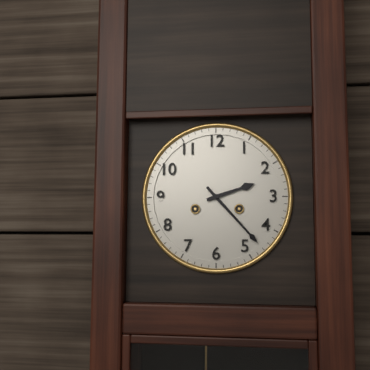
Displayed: 2 h 23 min
